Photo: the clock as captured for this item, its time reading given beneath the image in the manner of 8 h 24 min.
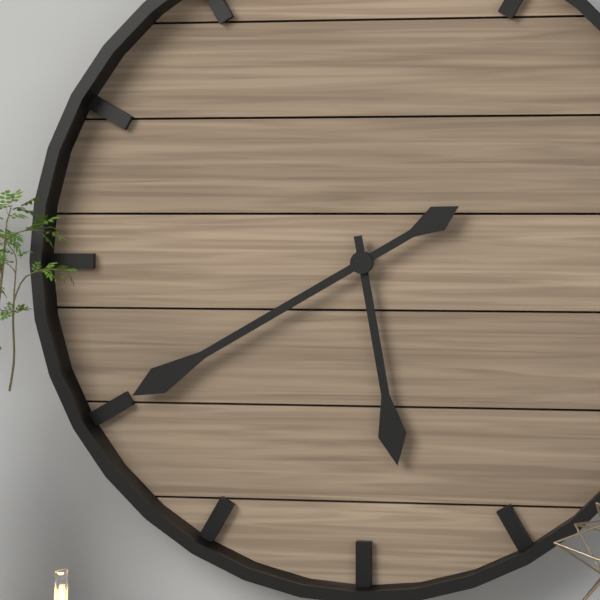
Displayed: 5 h 40 min
